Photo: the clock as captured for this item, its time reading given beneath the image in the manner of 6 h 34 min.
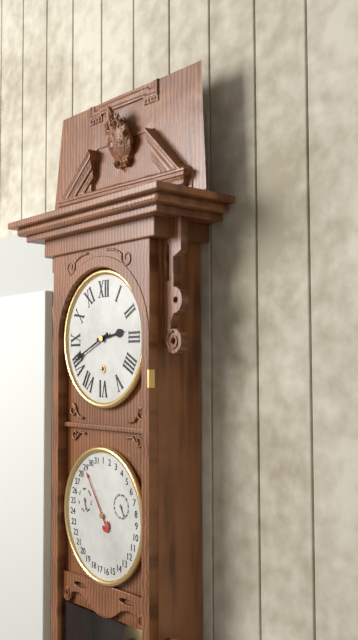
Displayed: 2 h 41 min
